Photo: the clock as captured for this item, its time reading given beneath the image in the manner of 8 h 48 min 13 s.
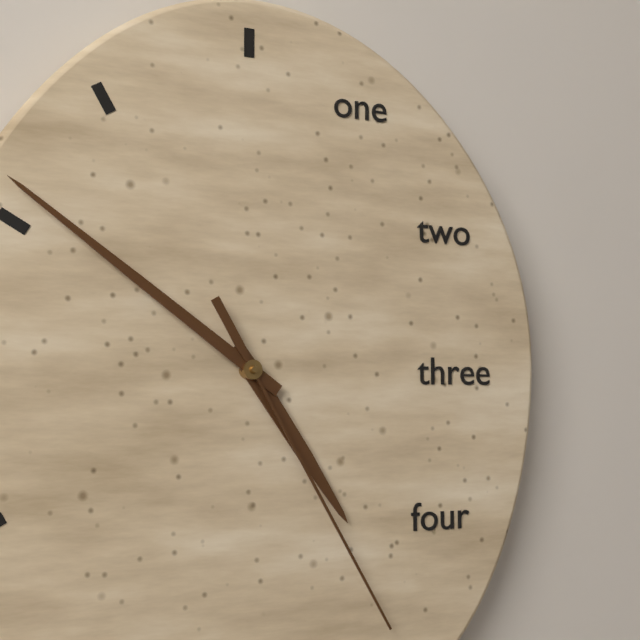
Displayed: 4 h 51 min 25 s
